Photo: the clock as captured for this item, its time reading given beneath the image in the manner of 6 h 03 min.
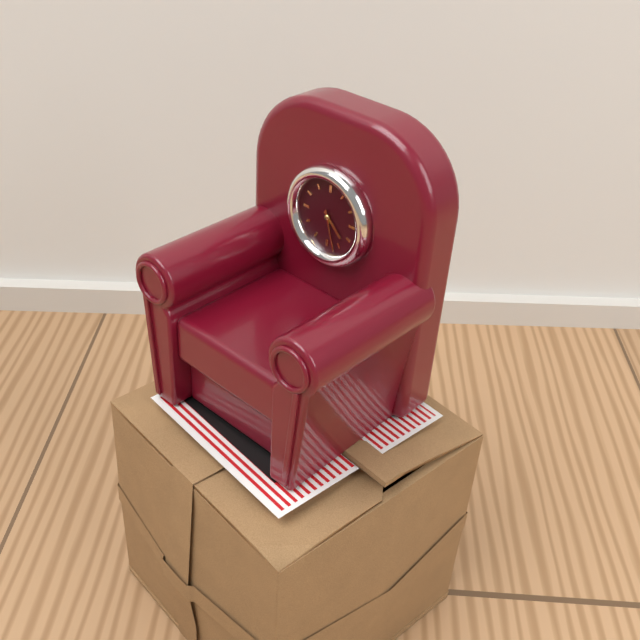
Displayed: 4 h 27 min
